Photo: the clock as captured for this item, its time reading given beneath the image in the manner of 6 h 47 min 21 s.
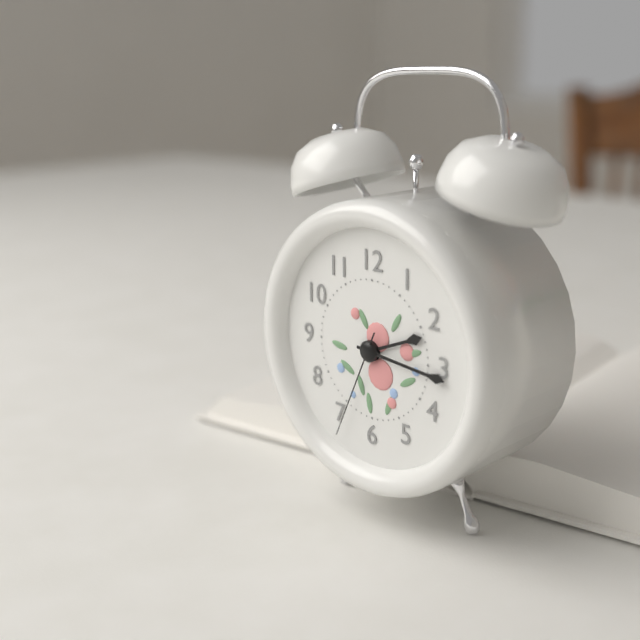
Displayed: 2 h 16 min 34 s
